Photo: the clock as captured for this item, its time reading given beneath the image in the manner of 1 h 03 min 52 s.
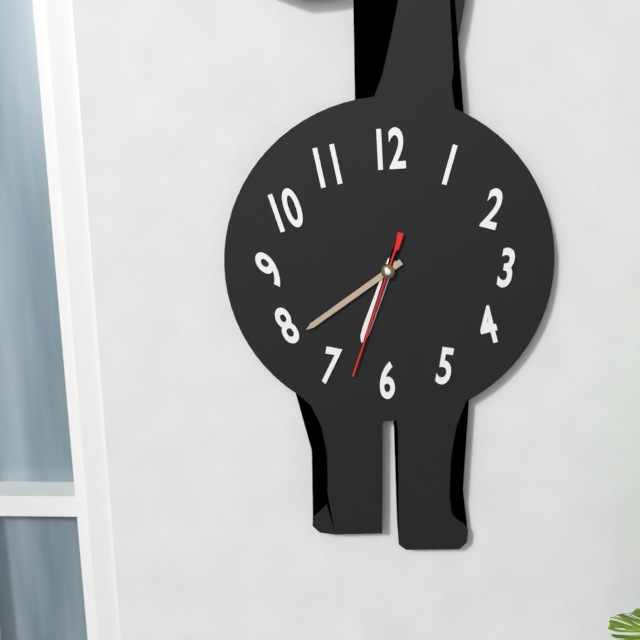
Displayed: 6 h 39 min 33 s
